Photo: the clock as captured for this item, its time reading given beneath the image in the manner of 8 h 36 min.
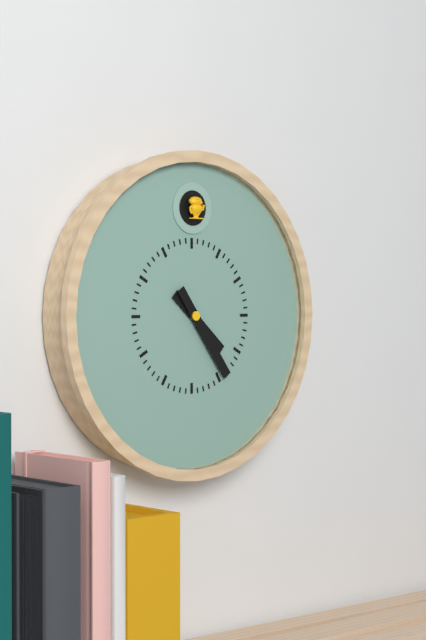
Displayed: 4 h 24 min
